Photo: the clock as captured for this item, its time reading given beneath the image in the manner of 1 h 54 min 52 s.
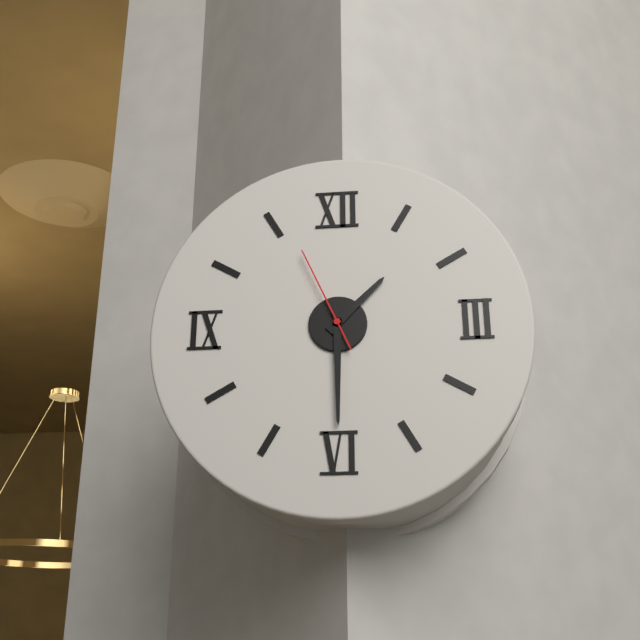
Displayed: 1 h 30 min 56 s
